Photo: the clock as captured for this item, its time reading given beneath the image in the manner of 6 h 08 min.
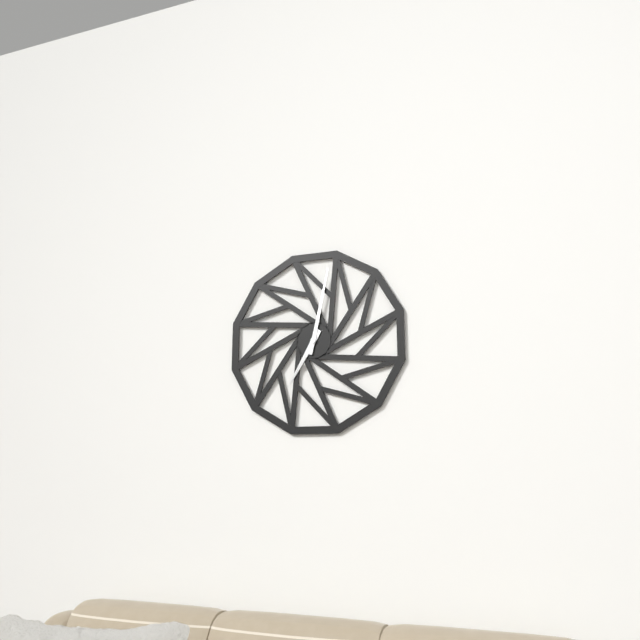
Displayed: 7 h 02 min
